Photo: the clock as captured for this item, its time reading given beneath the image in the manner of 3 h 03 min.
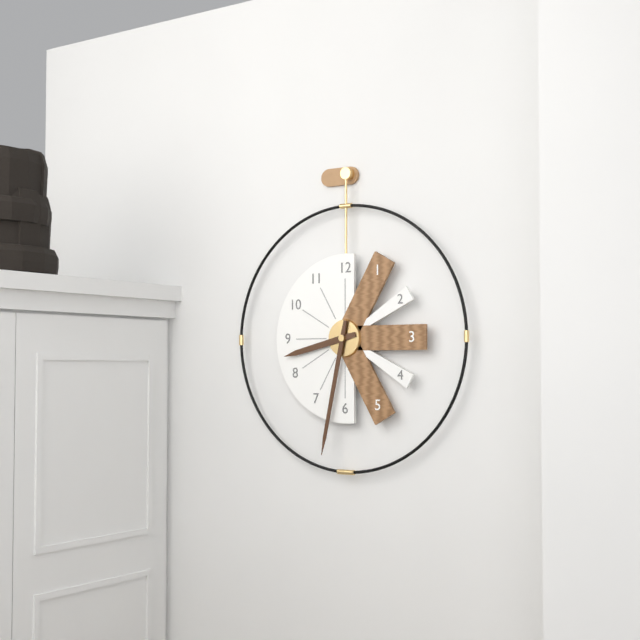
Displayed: 8 h 32 min
